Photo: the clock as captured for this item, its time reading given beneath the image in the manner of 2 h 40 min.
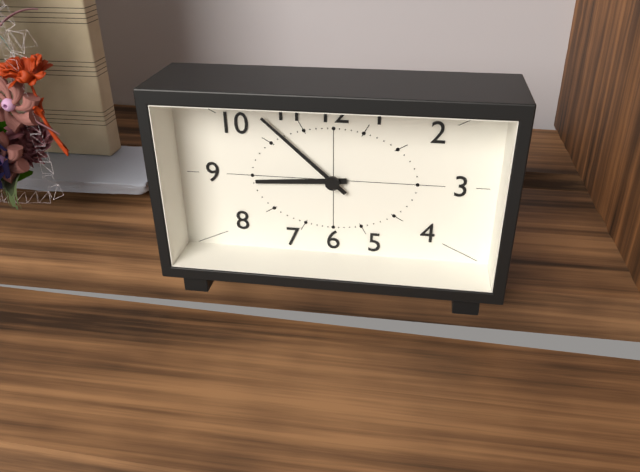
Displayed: 8 h 52 min
